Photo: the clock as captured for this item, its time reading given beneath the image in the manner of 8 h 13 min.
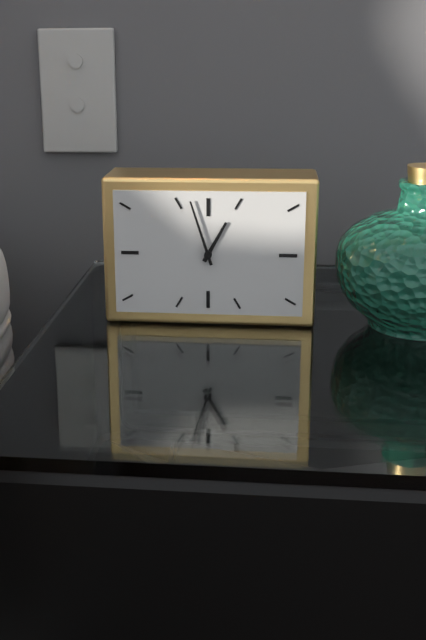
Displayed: 12 h 57 min
